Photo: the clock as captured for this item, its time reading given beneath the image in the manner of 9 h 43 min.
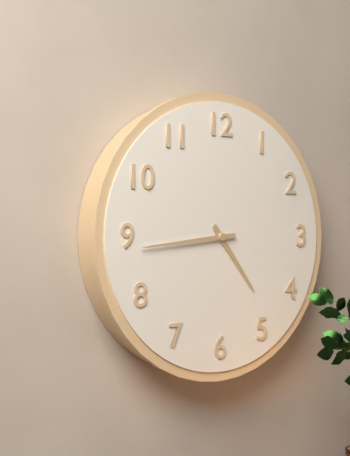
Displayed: 4 h 44 min
